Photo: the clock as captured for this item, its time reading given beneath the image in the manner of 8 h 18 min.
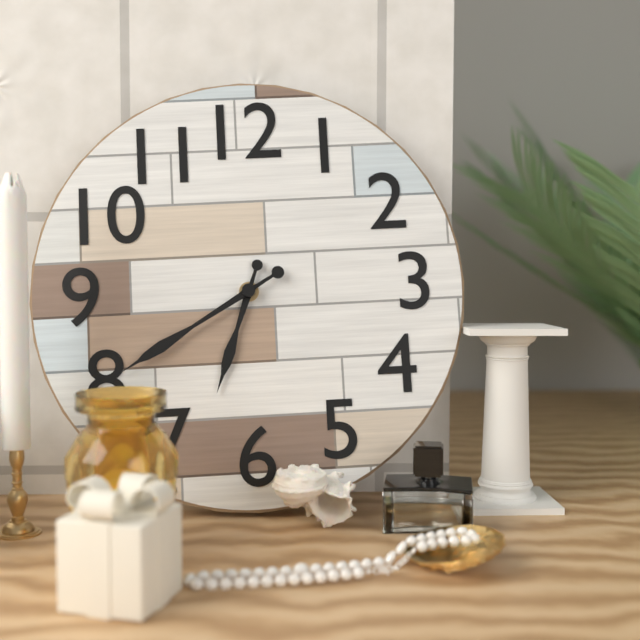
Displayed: 6 h 40 min
